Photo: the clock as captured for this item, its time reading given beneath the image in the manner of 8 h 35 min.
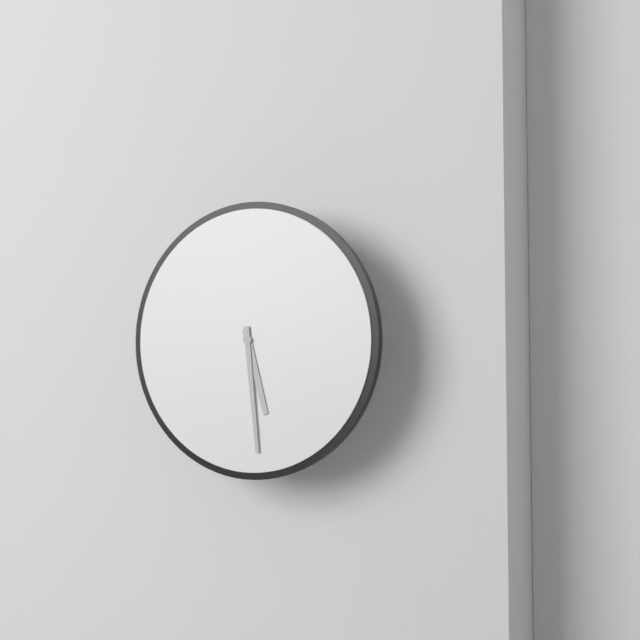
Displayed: 5 h 29 min
